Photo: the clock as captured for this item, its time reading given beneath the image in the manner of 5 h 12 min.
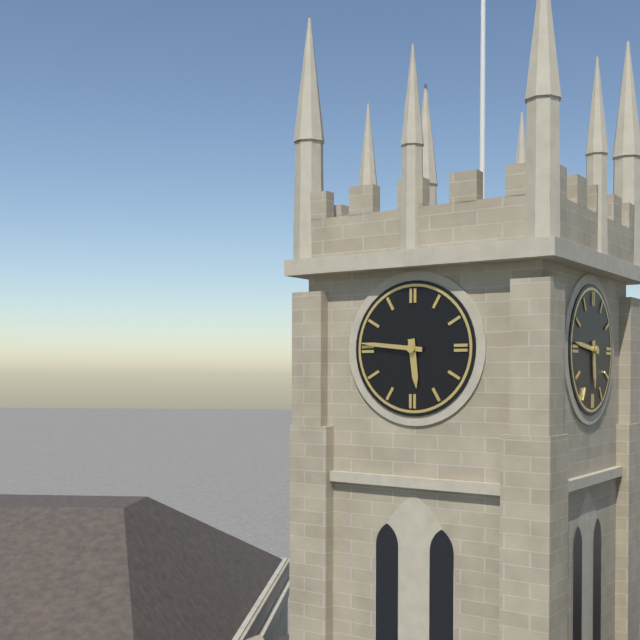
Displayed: 5 h 46 min
